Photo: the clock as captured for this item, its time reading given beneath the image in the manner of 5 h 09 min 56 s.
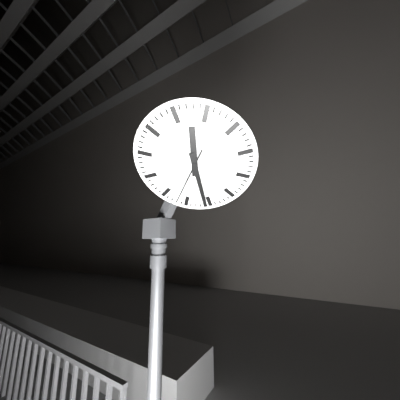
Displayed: 12 h 31 min 37 s
